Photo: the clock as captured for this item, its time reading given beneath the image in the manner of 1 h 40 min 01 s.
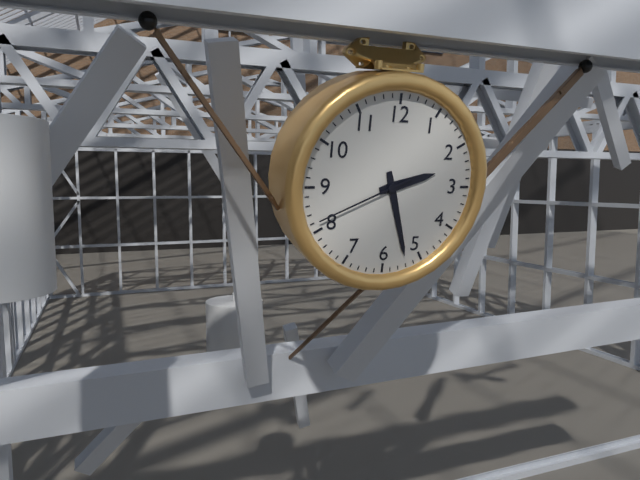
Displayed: 2 h 27 min 41 s
